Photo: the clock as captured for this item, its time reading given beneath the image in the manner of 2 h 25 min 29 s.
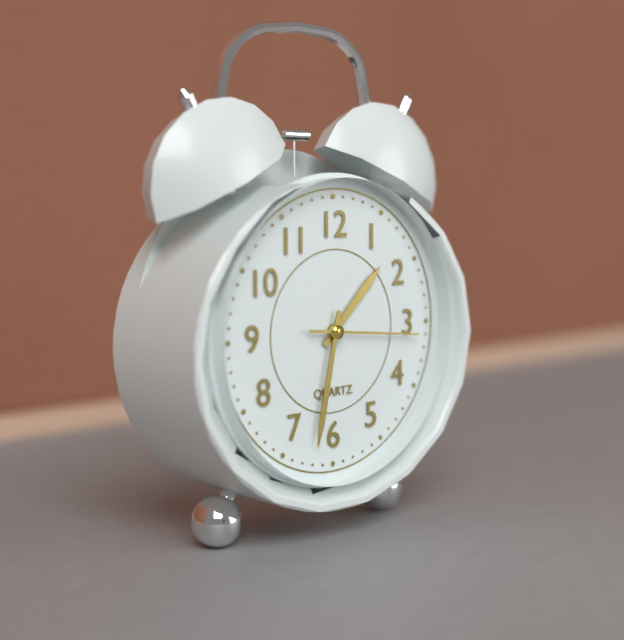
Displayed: 1 h 32 min 16 s
